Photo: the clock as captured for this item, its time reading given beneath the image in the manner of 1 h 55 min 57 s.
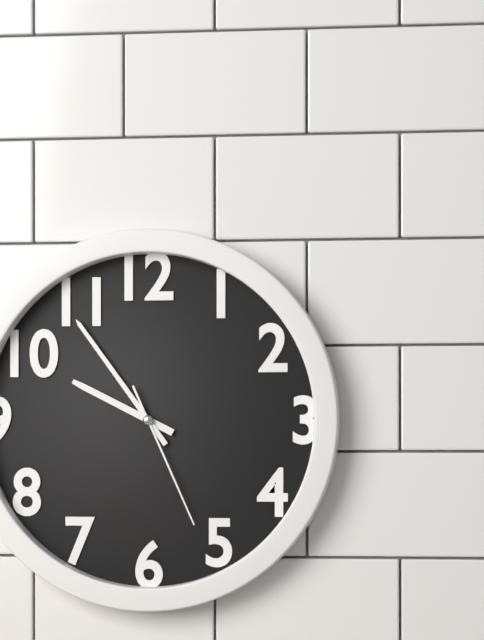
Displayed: 9 h 54 min 26 s
